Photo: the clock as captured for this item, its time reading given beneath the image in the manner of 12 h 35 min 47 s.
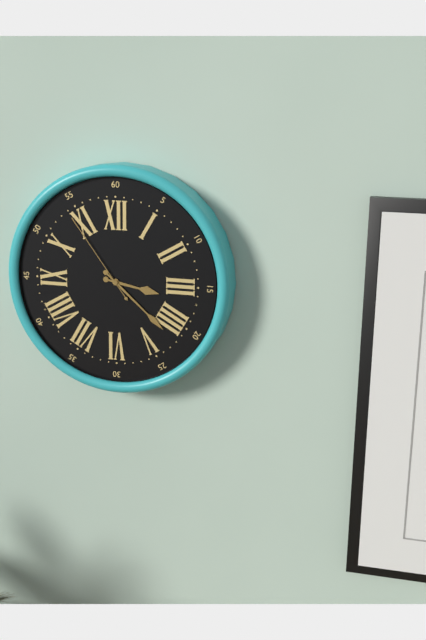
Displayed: 3 h 22 min 54 s
